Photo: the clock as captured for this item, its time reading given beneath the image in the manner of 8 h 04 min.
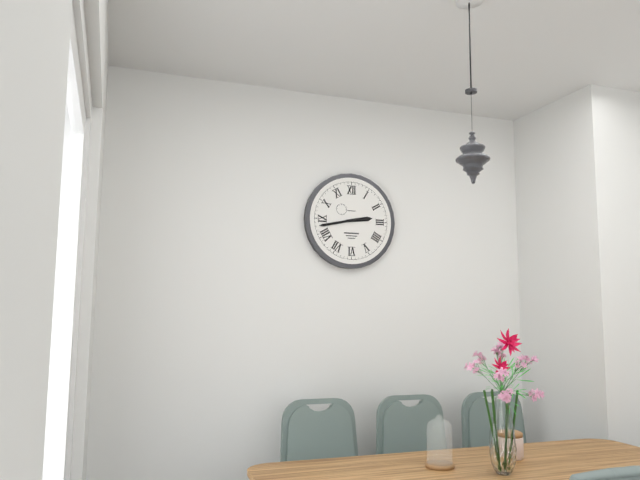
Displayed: 2 h 43 min
